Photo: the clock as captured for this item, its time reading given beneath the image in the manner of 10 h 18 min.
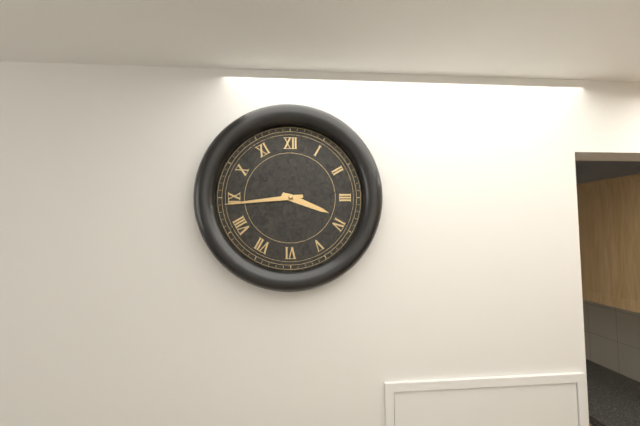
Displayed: 3 h 44 min
